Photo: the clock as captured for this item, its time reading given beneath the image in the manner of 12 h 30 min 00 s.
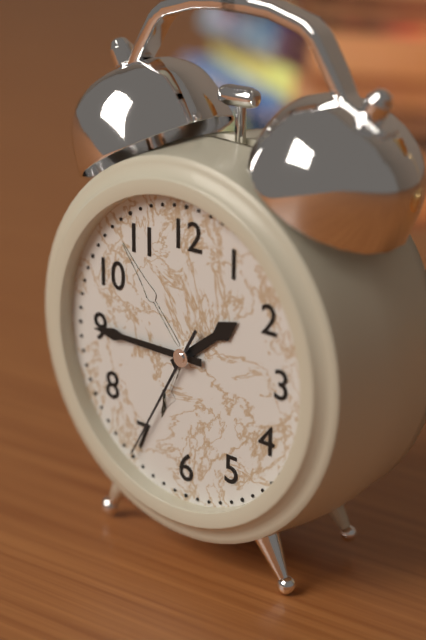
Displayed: 1 h 45 min 35 s
